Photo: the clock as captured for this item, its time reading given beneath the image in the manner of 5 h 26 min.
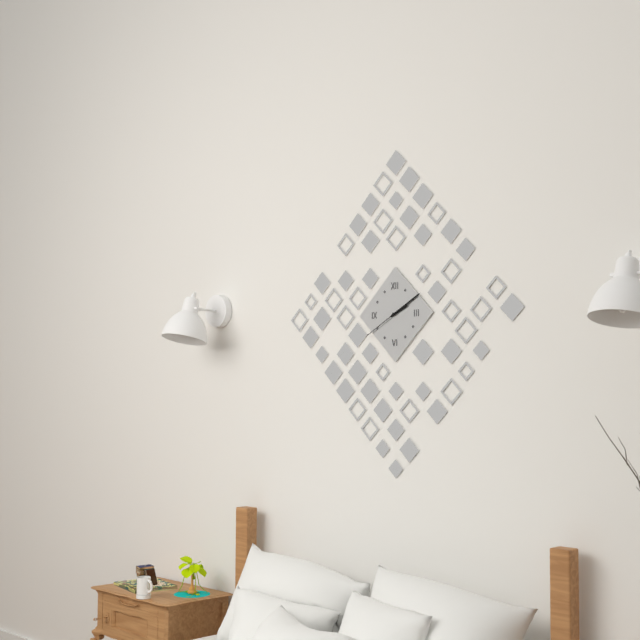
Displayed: 2 h 10 min
